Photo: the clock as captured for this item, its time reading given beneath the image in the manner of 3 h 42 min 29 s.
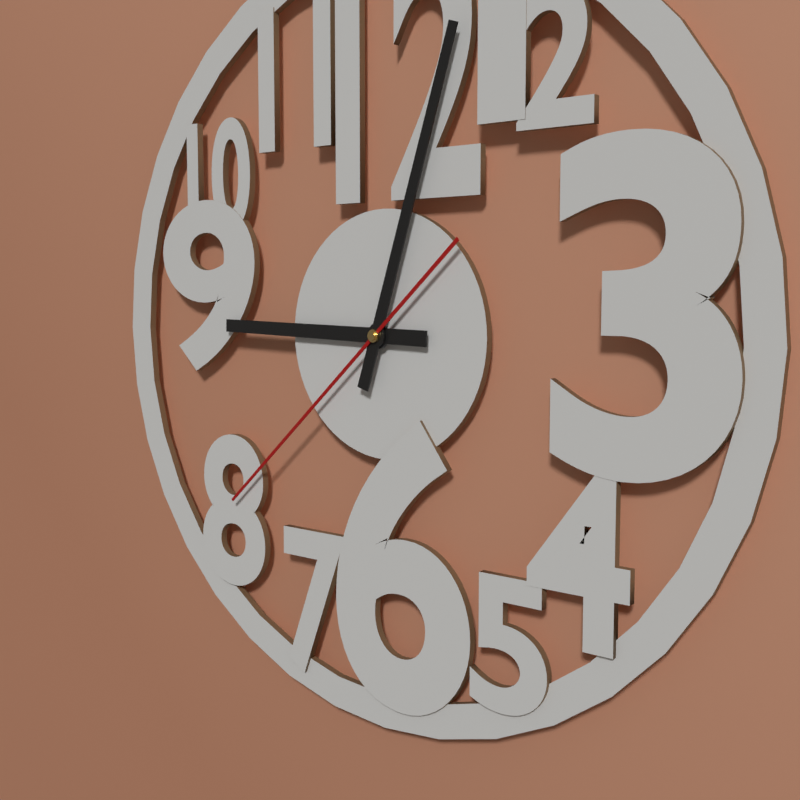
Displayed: 9 h 03 min 38 s
